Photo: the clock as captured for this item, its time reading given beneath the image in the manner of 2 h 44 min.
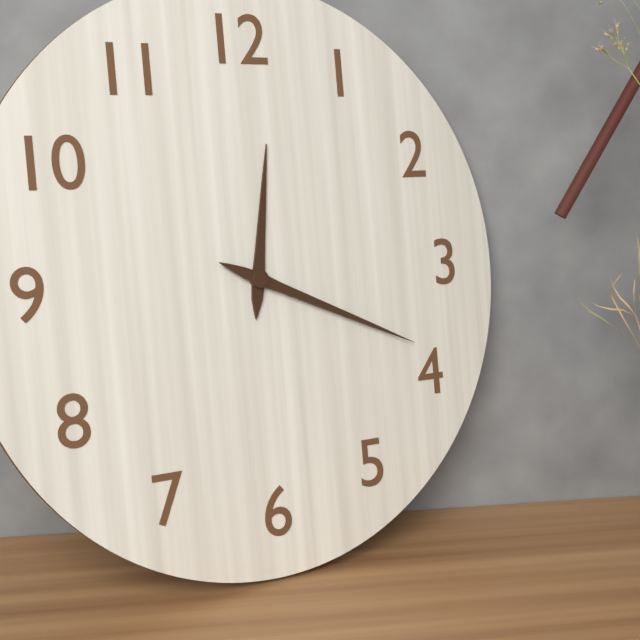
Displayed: 12 h 19 min
